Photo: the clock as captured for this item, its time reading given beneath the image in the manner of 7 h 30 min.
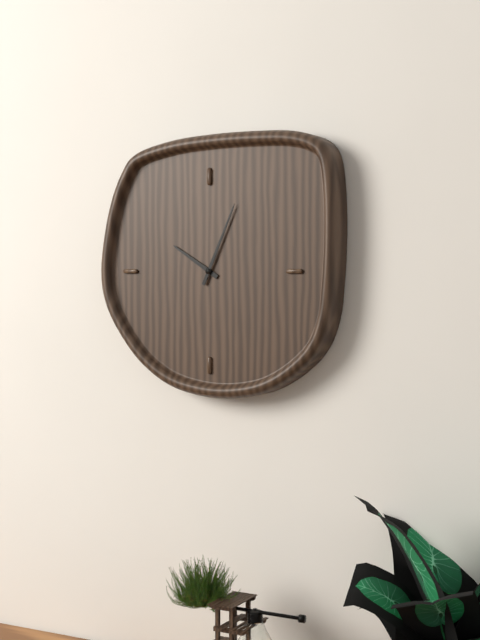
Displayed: 10 h 04 min
